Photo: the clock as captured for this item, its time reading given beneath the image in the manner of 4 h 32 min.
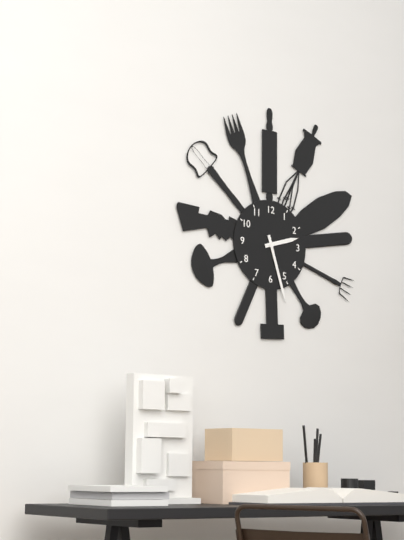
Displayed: 2 h 27 min
